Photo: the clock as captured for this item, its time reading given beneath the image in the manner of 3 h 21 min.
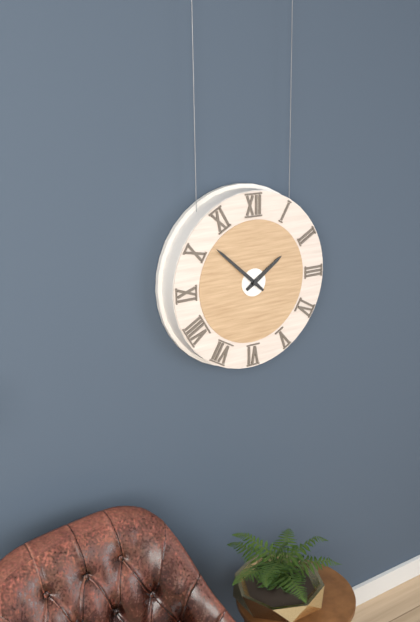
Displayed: 1 h 52 min
